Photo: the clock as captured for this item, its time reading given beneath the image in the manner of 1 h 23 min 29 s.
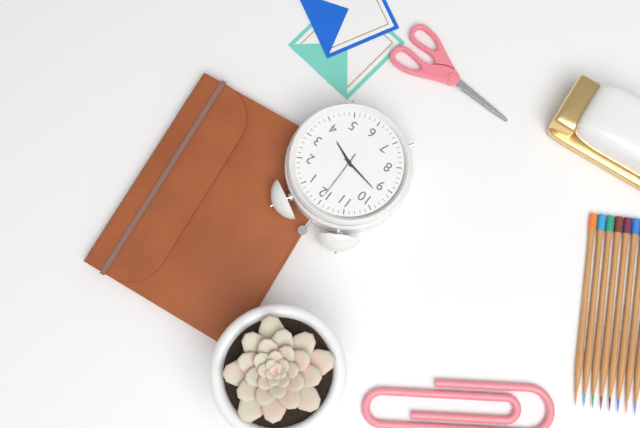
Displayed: 3 h 47 min 00 s
